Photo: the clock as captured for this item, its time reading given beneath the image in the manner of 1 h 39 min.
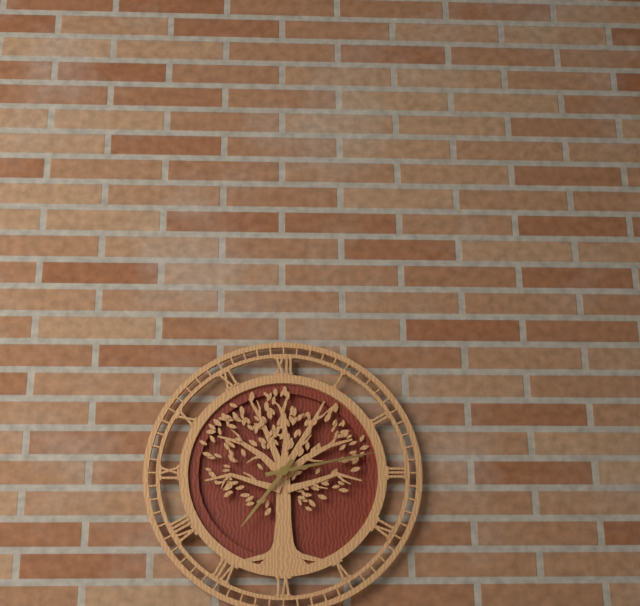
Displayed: 7 h 13 min
